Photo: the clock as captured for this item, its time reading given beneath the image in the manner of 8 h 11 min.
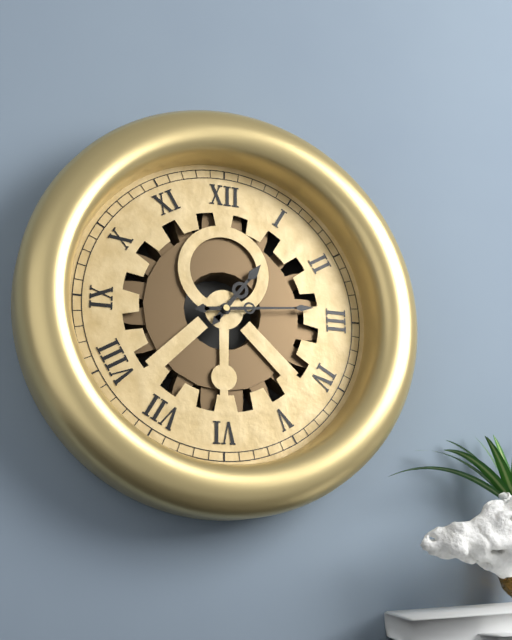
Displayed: 1 h 14 min
